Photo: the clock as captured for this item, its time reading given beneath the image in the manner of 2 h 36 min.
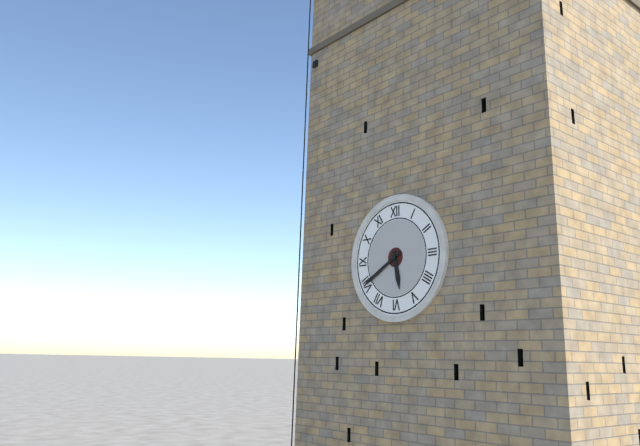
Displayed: 5 h 40 min
